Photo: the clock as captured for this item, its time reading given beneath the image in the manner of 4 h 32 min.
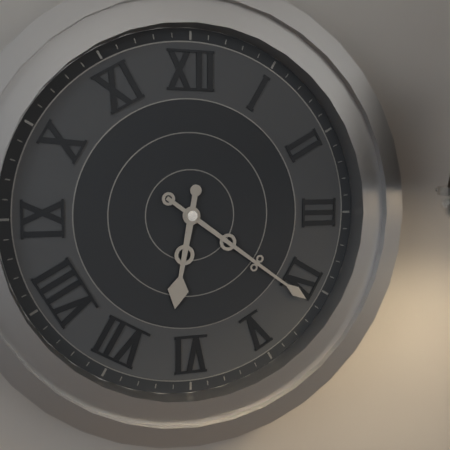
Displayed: 6 h 21 min
